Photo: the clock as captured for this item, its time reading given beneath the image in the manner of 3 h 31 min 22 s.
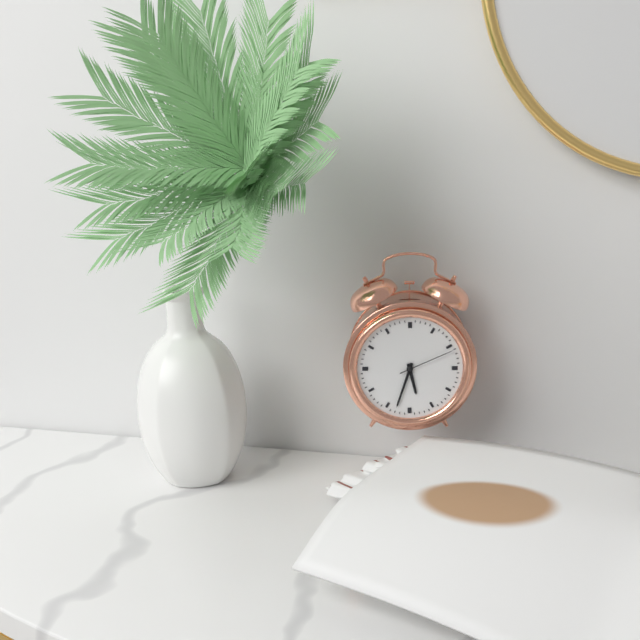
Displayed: 5 h 33 min 11 s
